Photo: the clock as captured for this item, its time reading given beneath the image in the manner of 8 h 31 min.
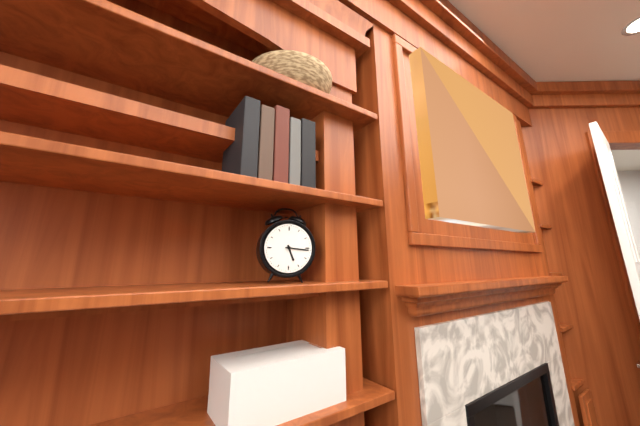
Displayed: 5 h 16 min
